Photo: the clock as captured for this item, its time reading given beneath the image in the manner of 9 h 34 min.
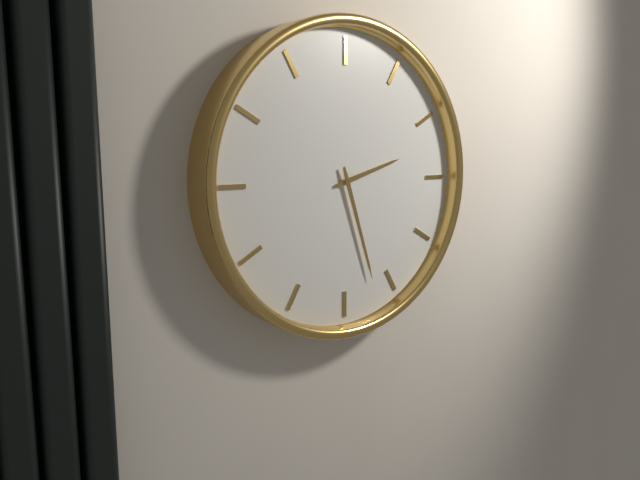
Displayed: 2 h 27 min
